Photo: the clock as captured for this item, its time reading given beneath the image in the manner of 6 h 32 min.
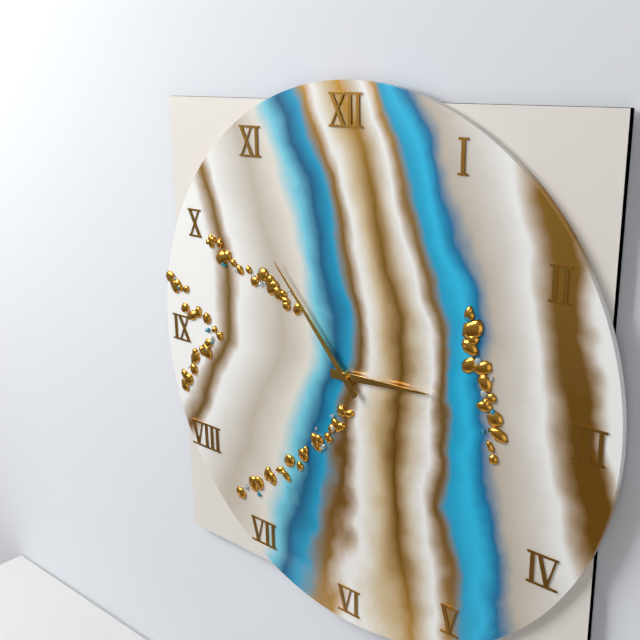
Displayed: 2 h 53 min
